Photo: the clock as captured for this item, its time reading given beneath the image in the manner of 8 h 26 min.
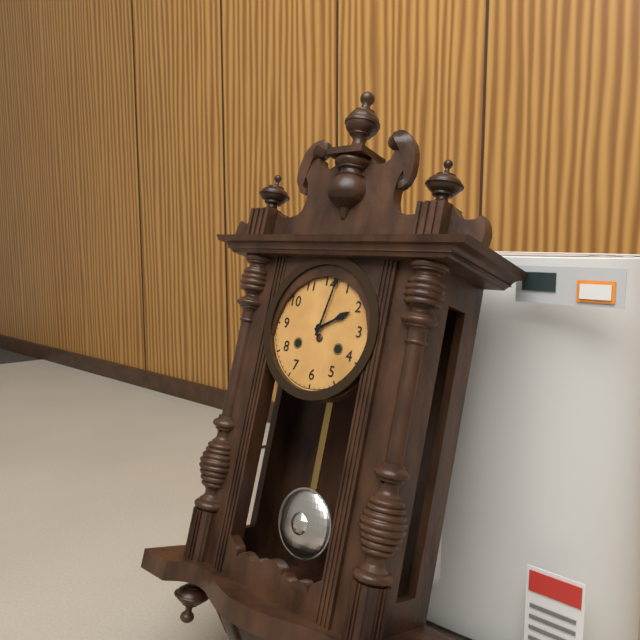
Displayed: 2 h 02 min
